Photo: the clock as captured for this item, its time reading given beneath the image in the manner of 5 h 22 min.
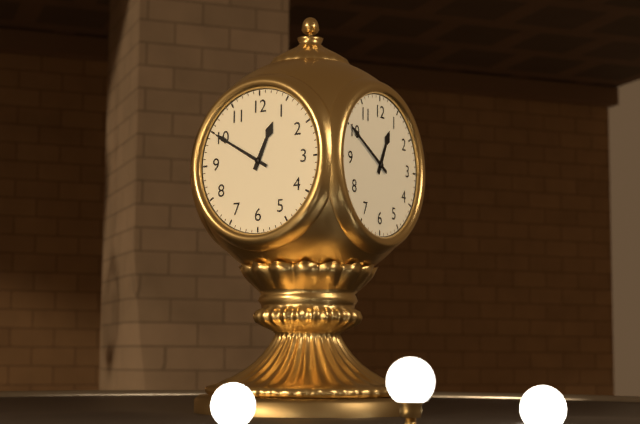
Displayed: 12 h 50 min
